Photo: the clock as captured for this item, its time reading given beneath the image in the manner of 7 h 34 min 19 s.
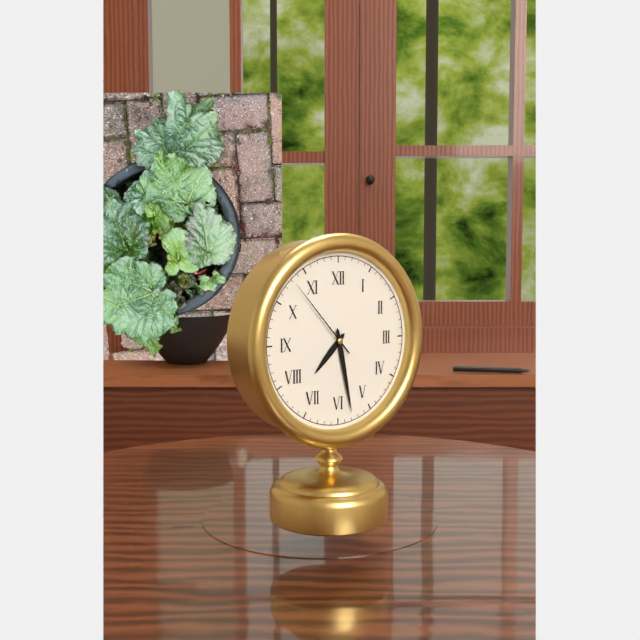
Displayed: 7 h 28 min 53 s
